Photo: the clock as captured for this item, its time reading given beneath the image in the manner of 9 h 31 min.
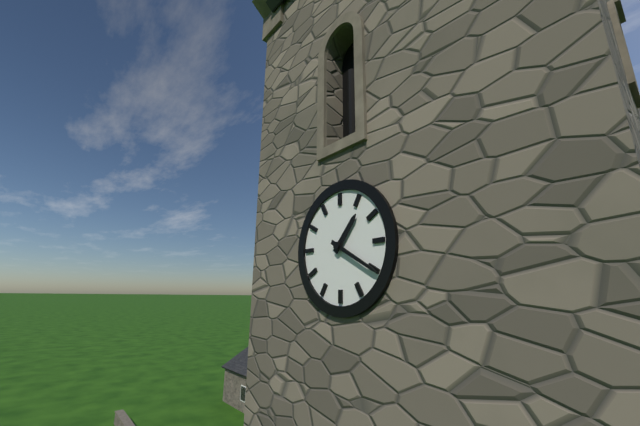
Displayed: 1 h 20 min
